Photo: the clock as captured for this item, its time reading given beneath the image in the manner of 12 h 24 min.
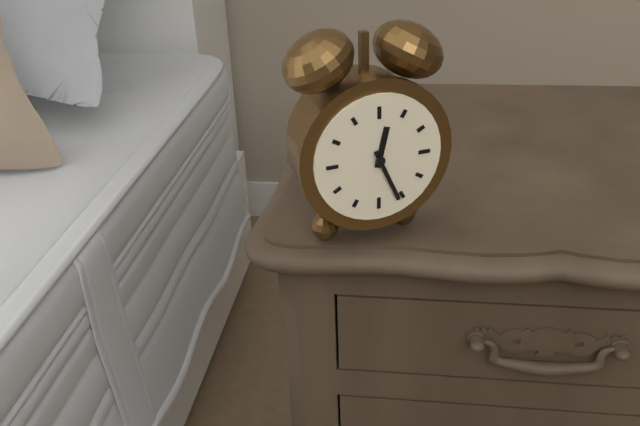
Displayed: 12 h 26 min
